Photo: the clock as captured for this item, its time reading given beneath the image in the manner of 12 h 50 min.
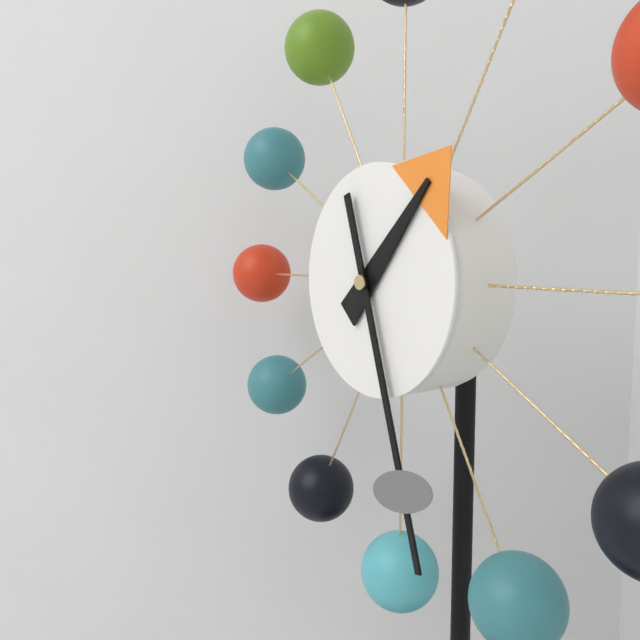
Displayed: 1 h 27 min
